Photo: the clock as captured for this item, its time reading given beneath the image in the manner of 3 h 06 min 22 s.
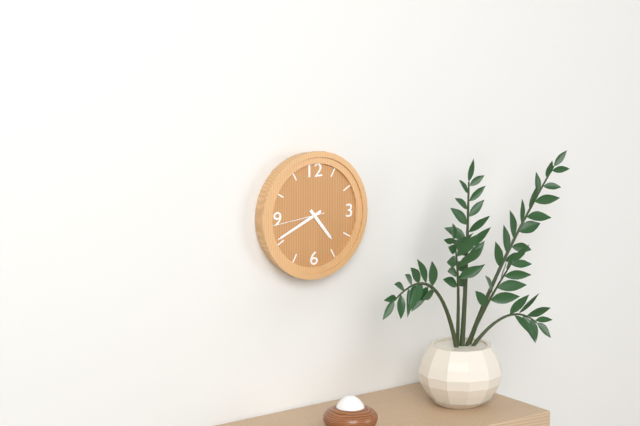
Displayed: 4 h 41 min 44 s
